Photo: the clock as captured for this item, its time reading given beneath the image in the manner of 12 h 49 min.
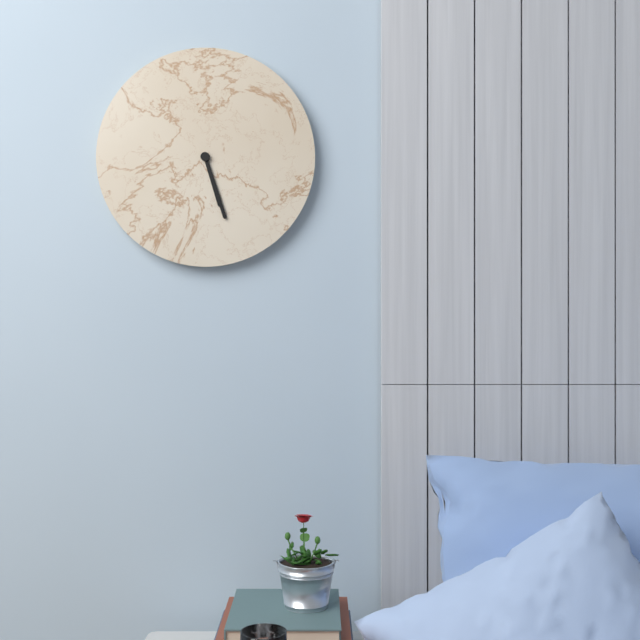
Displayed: 5 h 27 min
